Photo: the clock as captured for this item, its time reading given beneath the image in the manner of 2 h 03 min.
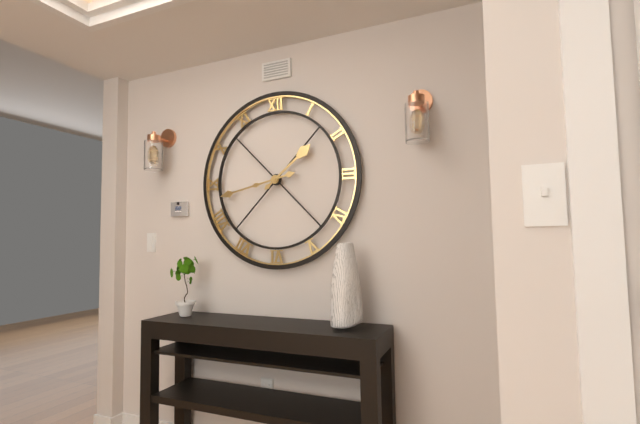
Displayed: 1 h 43 min
